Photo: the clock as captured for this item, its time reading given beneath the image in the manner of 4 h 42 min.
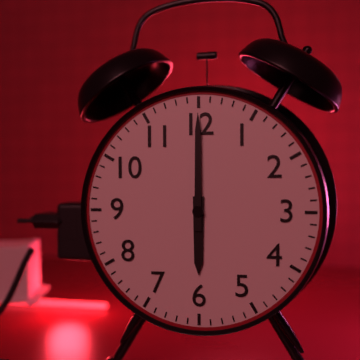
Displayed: 6 h 00 min
